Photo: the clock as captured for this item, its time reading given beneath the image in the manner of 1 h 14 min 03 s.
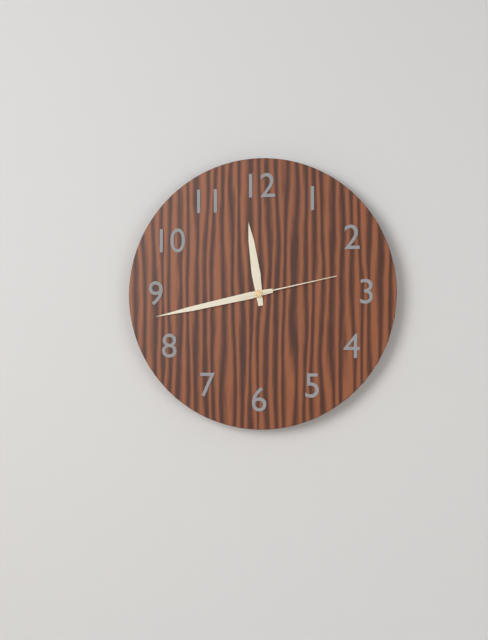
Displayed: 11 h 43 min 13 s
